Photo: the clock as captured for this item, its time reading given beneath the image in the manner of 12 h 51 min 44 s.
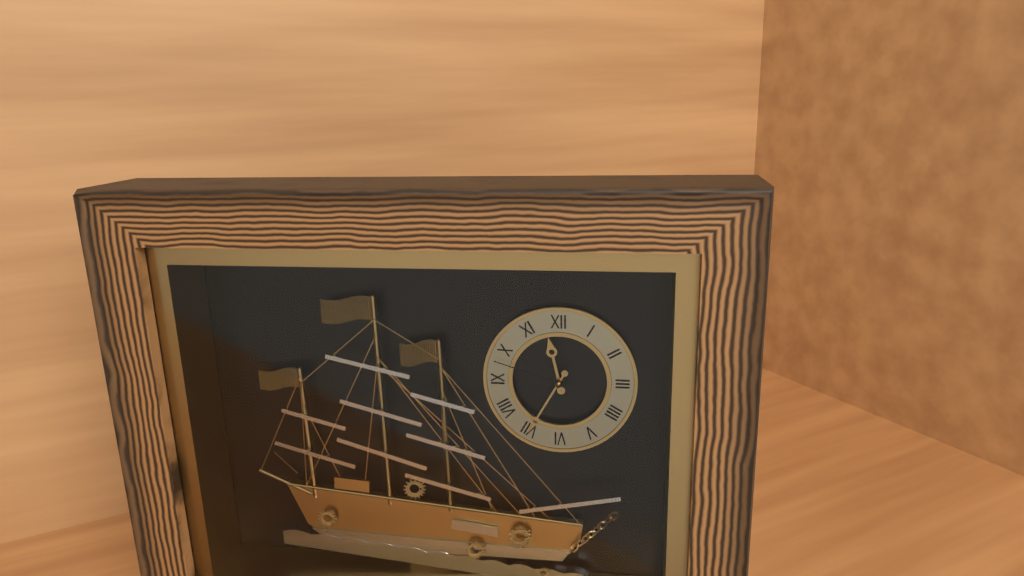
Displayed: 11 h 35 min 48 s
